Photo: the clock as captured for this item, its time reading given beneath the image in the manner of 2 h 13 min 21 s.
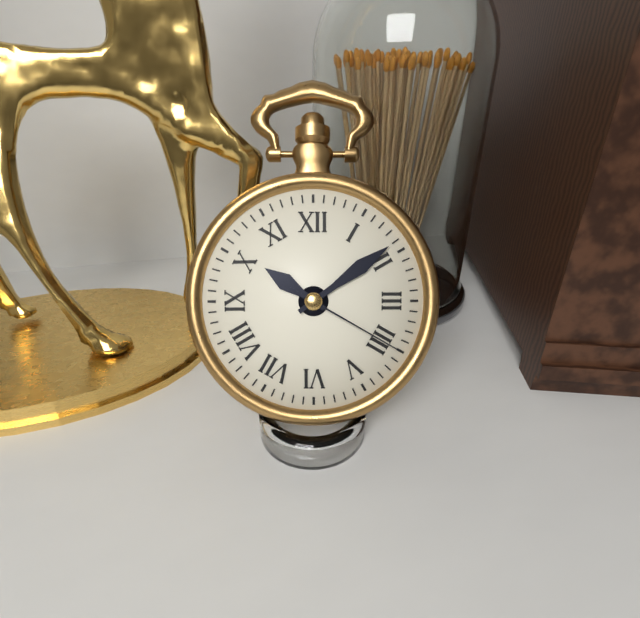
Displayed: 10 h 09 min 20 s
